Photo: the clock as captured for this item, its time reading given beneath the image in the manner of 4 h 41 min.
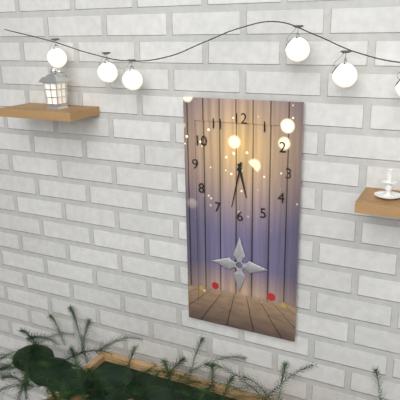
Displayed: 5 h 32 min
